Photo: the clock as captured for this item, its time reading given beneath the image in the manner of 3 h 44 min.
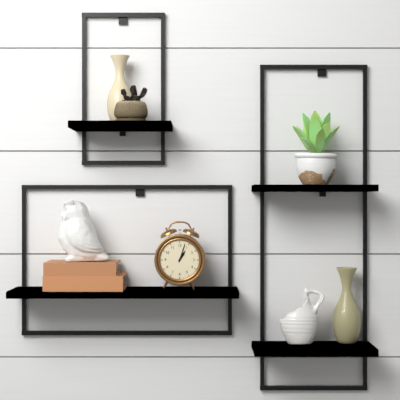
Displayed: 1 h 03 min
